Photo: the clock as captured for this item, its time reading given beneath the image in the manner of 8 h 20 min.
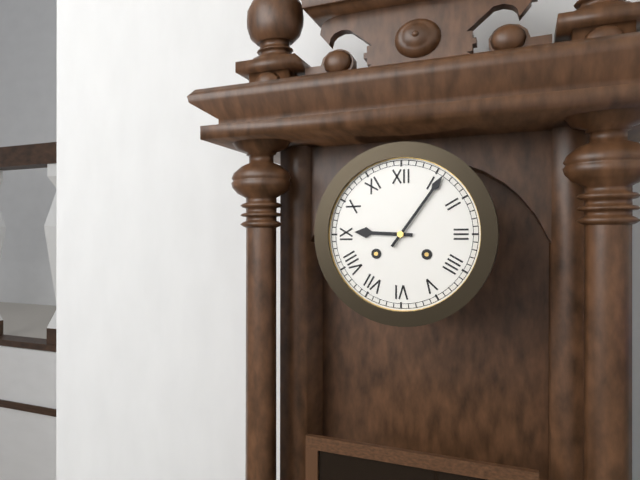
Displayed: 9 h 06 min
